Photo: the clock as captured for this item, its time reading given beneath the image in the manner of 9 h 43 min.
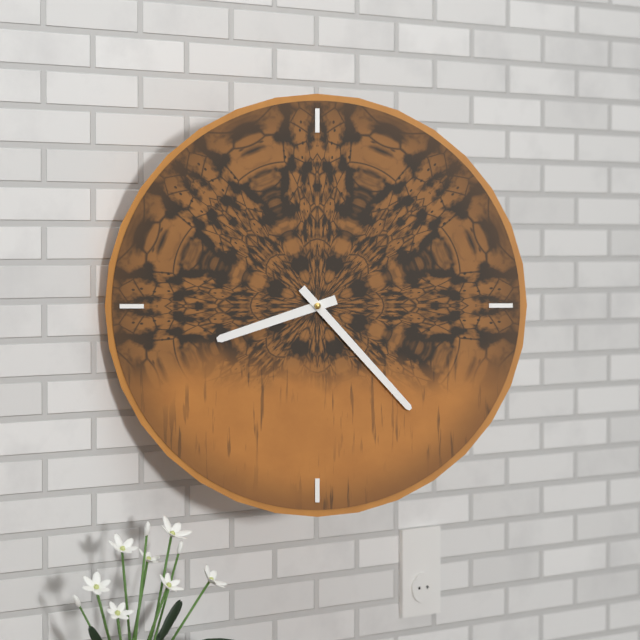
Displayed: 8 h 23 min
